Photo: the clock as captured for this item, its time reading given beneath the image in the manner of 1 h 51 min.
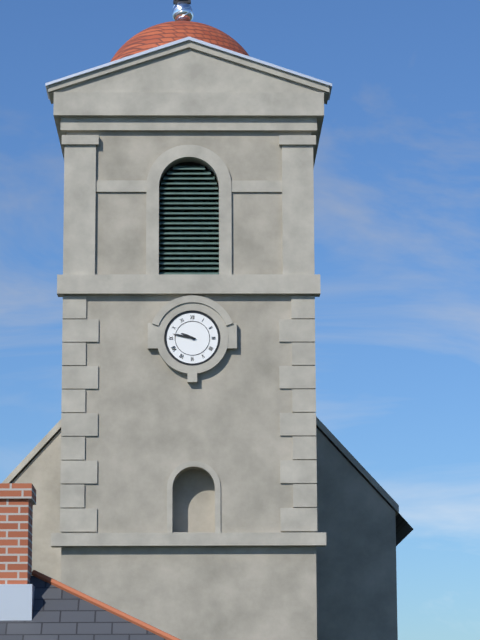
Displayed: 9 h 47 min
